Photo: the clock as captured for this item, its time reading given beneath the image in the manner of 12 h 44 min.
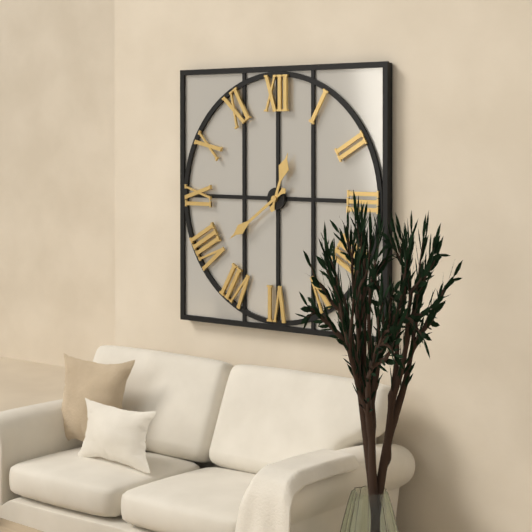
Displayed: 12 h 39 min
